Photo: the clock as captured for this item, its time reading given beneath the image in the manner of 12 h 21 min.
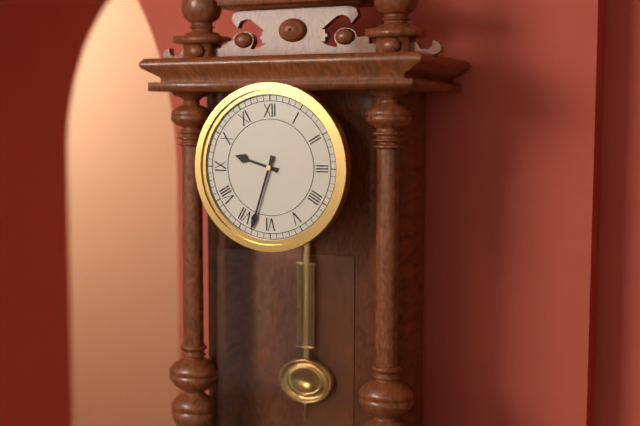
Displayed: 9 h 33 min
